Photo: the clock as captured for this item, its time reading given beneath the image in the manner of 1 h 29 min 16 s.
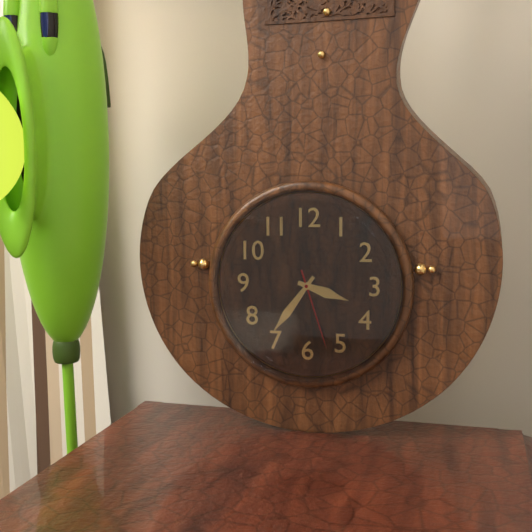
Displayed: 3 h 36 min 27 s
